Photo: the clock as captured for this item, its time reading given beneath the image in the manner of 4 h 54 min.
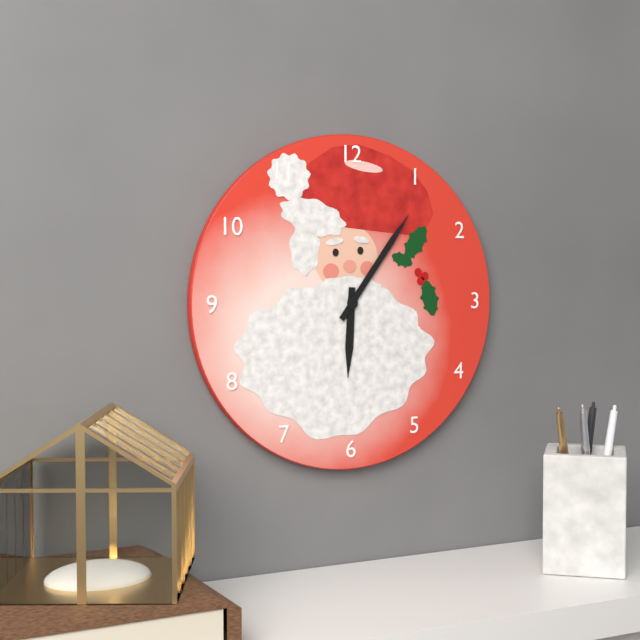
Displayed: 6 h 06 min
